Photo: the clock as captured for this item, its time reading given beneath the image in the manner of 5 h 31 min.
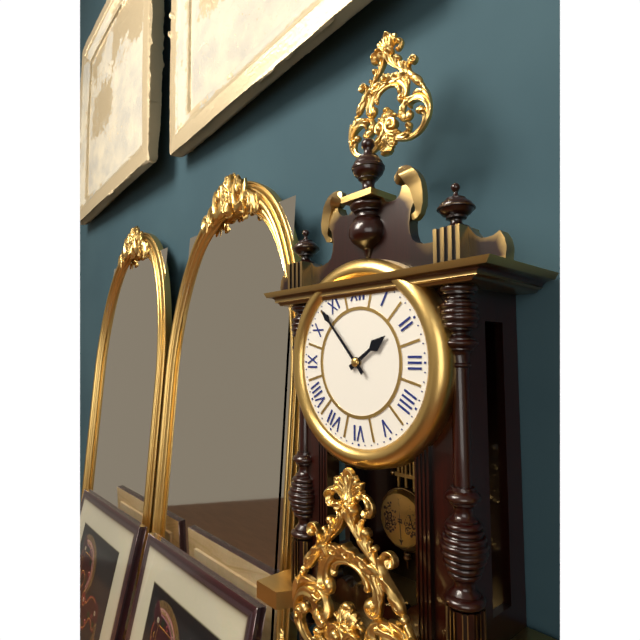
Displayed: 1 h 53 min
